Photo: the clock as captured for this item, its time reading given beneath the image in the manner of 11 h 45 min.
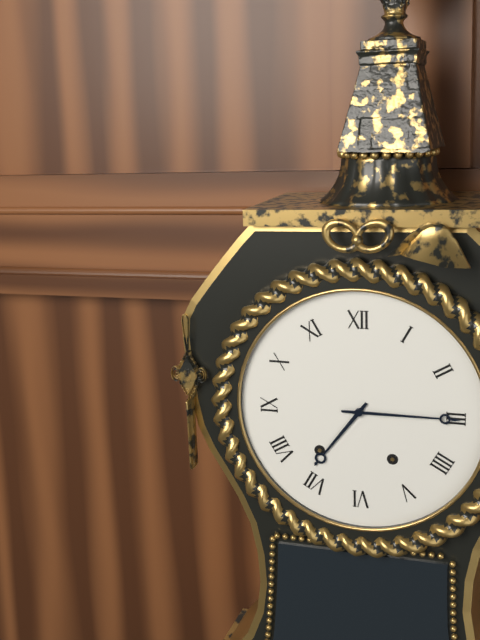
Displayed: 7 h 15 min
